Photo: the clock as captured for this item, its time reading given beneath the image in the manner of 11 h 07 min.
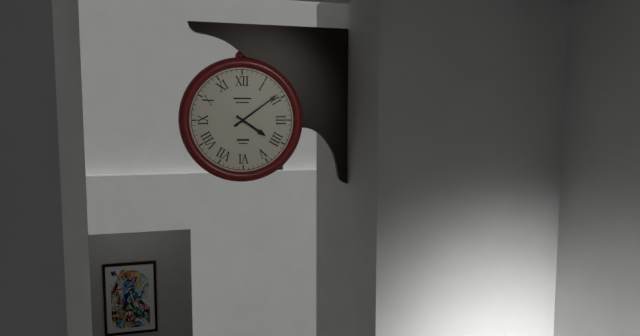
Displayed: 4 h 09 min
